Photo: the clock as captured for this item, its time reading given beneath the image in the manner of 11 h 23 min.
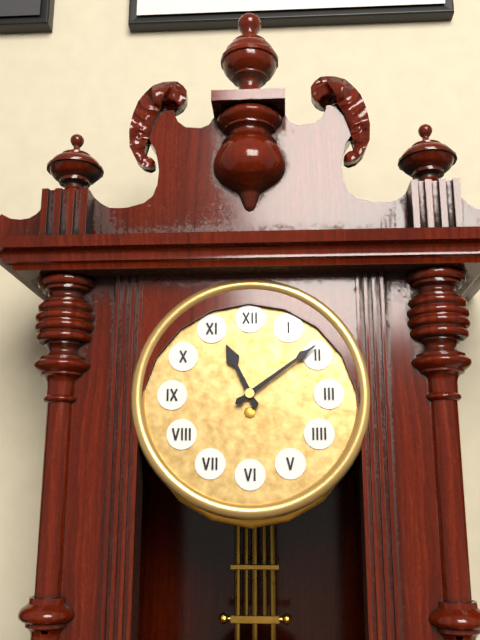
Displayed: 11 h 09 min
